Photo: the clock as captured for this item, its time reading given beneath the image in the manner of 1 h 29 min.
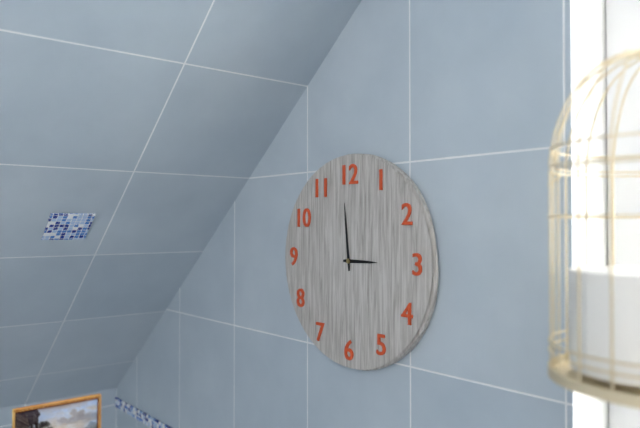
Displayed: 2 h 59 min
